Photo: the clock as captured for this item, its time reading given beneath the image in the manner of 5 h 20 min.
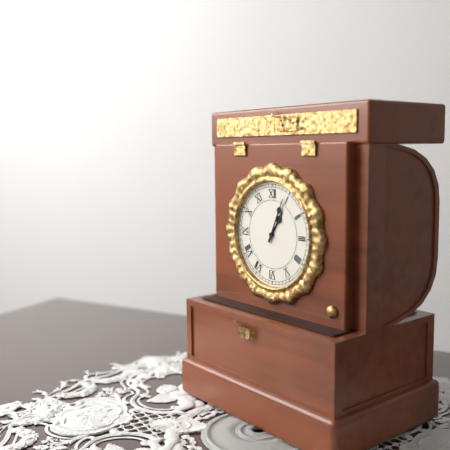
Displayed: 1 h 04 min
